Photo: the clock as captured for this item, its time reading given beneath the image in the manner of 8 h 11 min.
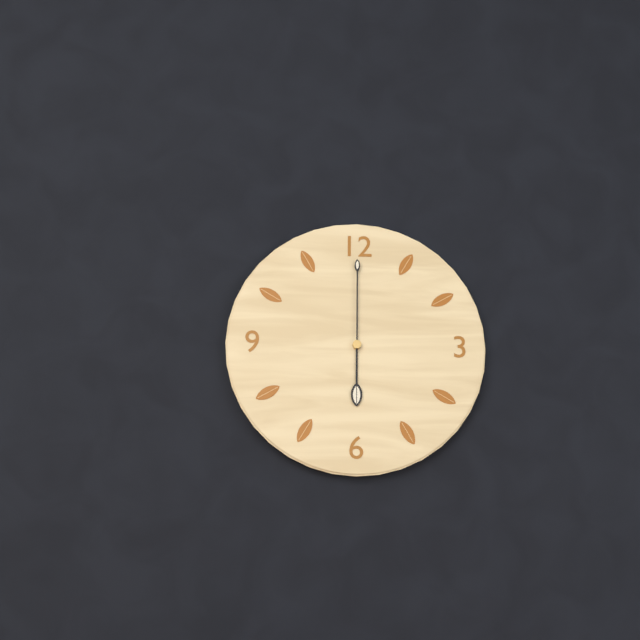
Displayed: 6 h 00 min
